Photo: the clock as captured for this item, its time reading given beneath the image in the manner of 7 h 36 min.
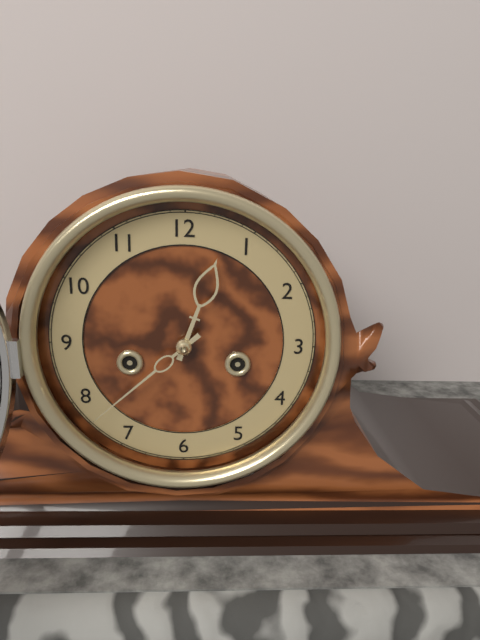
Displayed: 12 h 38 min
